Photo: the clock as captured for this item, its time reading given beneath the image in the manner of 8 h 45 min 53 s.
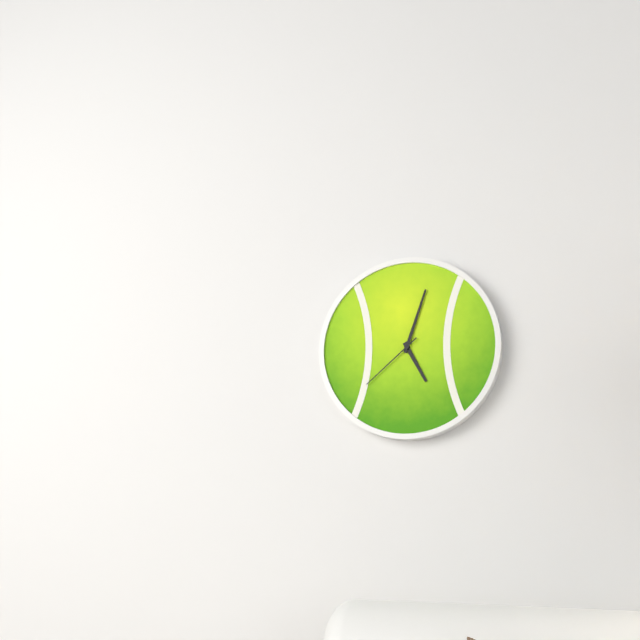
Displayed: 5 h 03 min 38 s
